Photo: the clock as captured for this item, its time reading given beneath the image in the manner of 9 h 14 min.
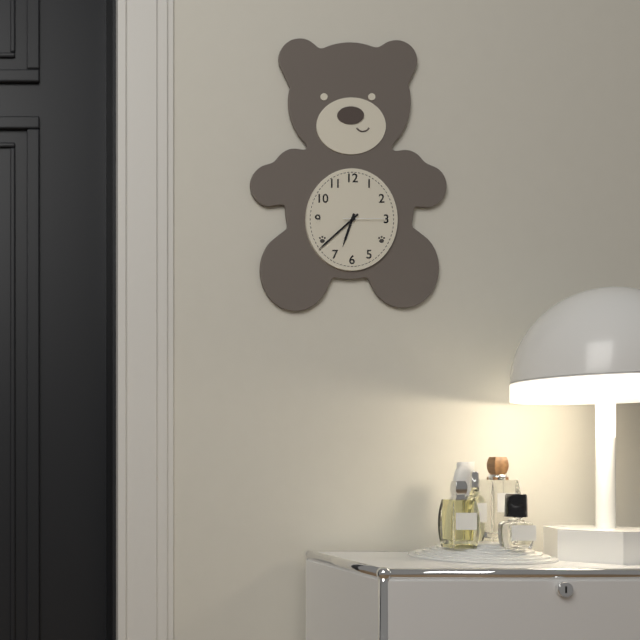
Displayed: 6 h 38 min
